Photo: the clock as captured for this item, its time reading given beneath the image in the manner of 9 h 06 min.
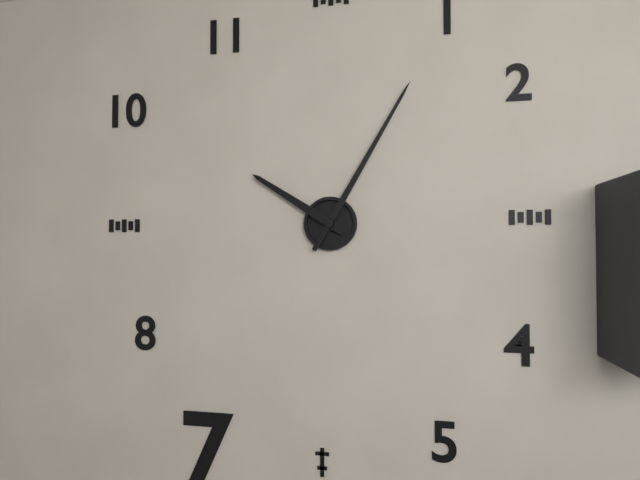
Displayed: 10 h 05 min
